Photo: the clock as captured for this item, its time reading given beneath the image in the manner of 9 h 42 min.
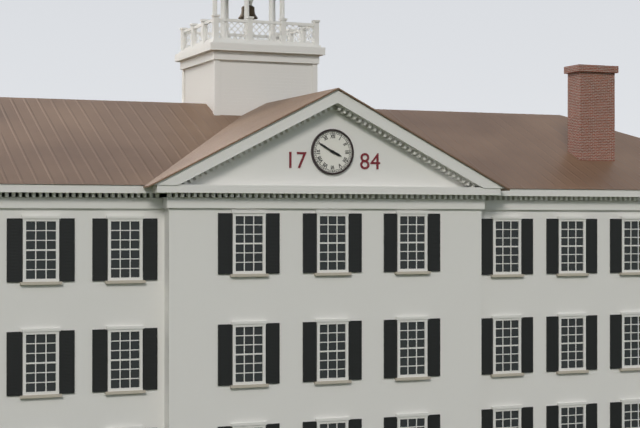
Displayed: 3 h 50 min
